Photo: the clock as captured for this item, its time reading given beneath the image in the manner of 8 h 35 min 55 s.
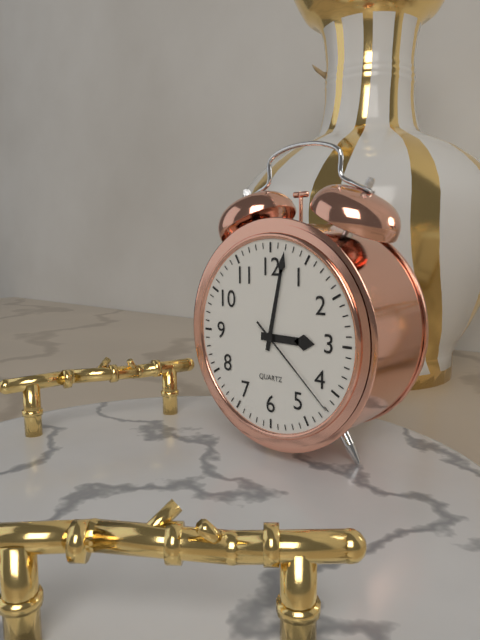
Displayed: 3 h 02 min 22 s
